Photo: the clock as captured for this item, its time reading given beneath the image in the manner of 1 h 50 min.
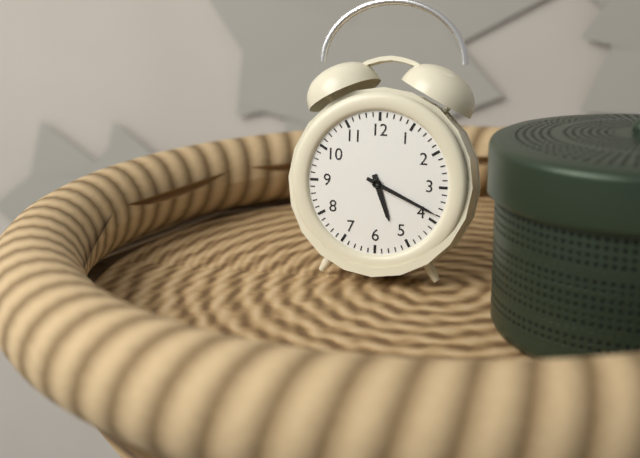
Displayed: 5 h 19 min
